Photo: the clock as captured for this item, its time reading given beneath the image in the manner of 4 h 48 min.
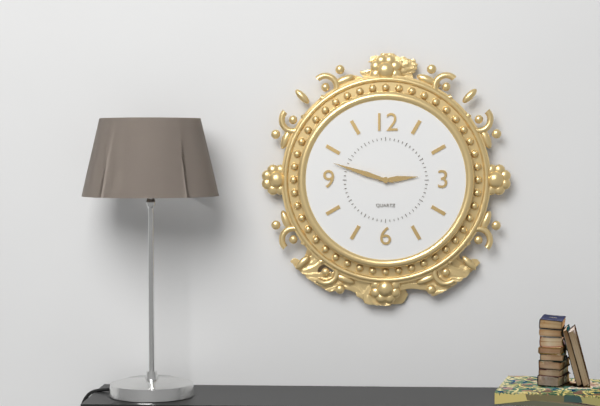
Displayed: 2 h 48 min
